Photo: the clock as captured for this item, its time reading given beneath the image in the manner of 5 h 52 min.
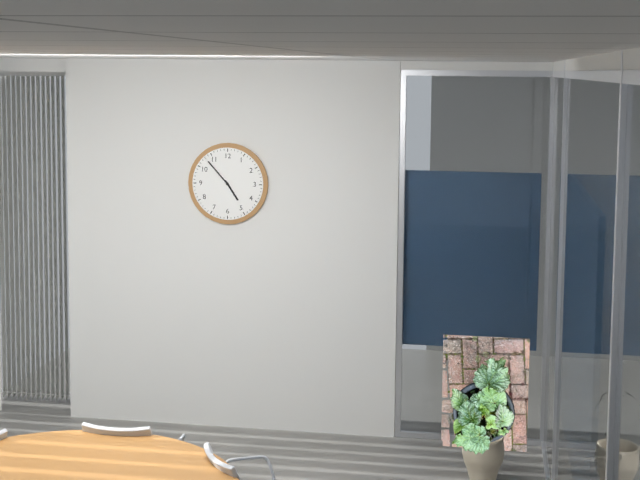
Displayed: 4 h 53 min
